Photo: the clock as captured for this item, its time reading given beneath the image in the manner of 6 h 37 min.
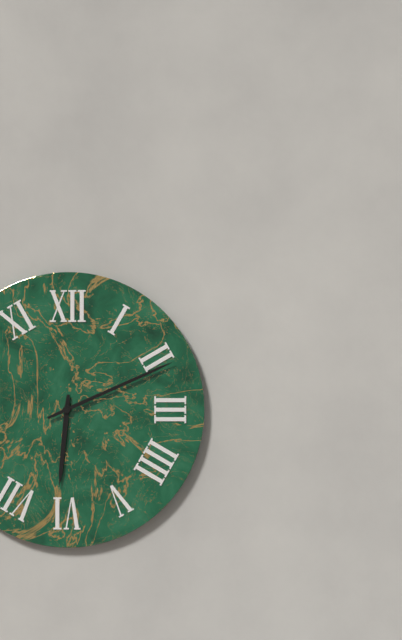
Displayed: 6 h 11 min
